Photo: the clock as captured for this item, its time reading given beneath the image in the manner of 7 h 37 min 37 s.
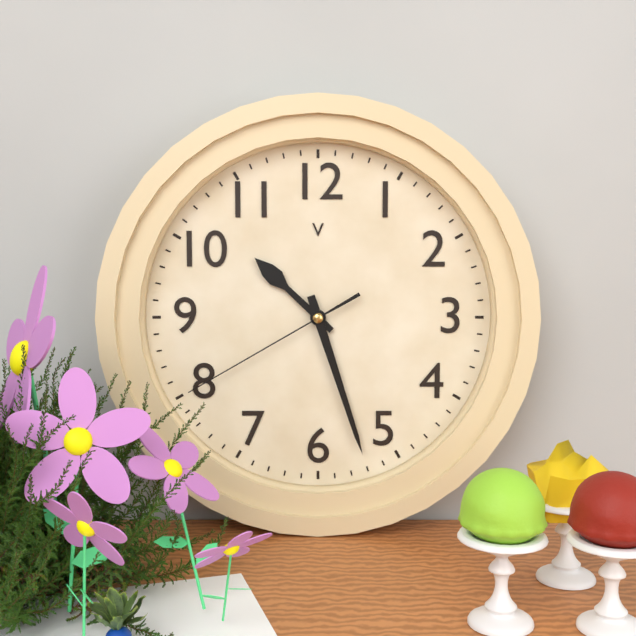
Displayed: 10 h 27 min 40 s
